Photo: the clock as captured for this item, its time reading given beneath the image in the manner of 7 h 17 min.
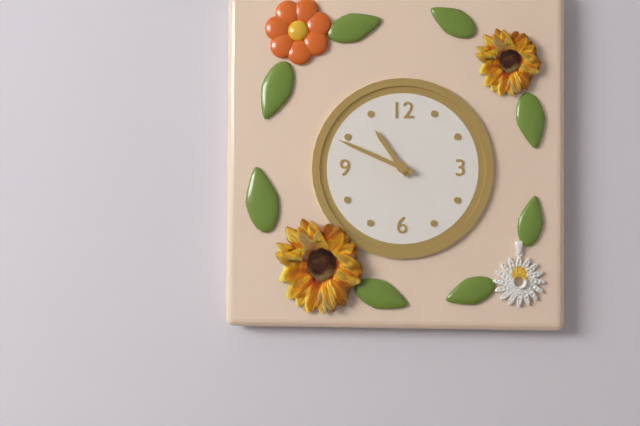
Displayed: 10 h 49 min
